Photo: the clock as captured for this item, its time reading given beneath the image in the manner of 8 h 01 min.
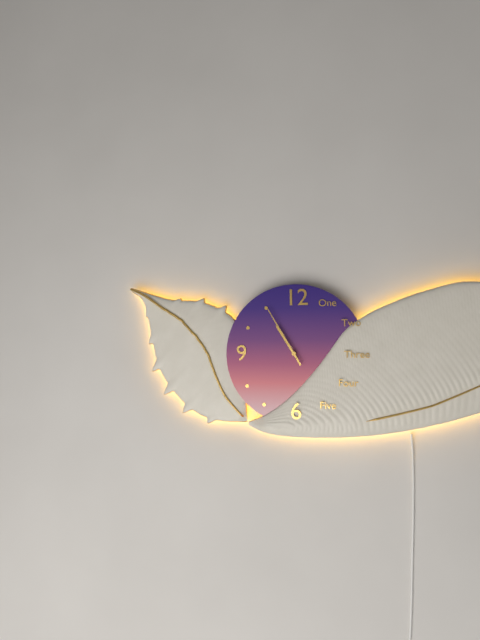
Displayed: 10 h 55 min
